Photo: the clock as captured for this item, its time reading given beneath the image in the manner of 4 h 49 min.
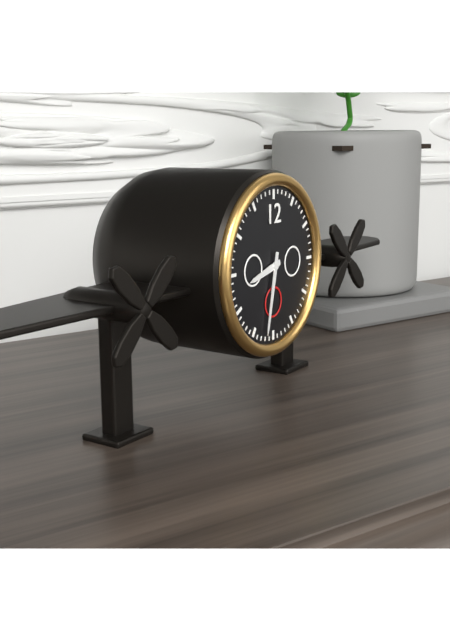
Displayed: 8 h 32 min
